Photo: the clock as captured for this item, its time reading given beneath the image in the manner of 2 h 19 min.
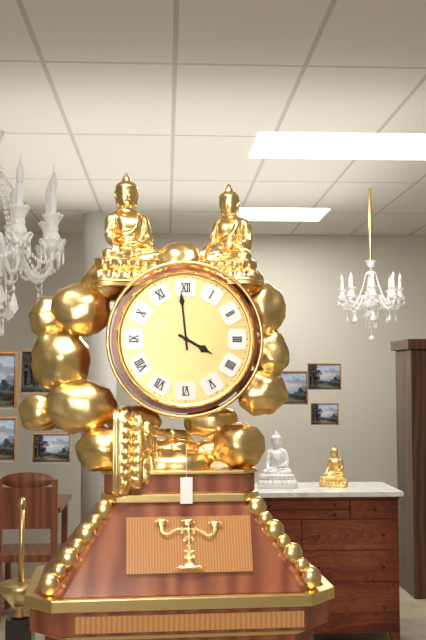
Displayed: 3 h 59 min
